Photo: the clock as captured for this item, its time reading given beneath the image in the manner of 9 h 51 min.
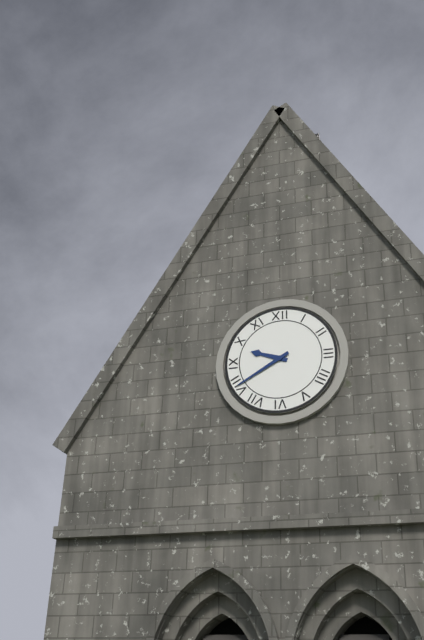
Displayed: 9 h 40 min
